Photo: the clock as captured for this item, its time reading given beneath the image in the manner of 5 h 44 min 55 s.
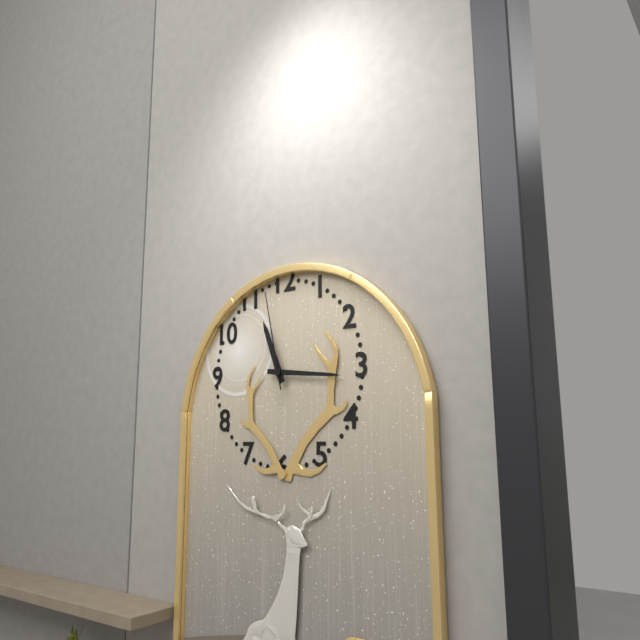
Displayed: 11 h 16 min 58 s
